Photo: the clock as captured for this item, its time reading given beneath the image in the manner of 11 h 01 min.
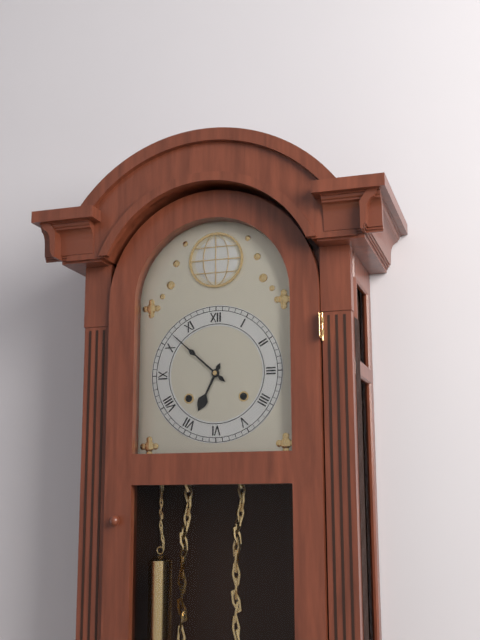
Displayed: 6 h 52 min
